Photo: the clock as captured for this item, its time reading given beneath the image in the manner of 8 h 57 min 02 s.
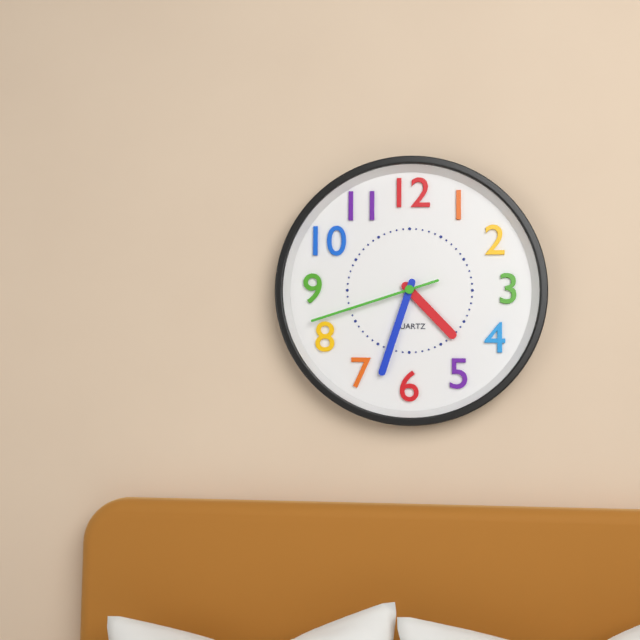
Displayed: 4 h 33 min 42 s
